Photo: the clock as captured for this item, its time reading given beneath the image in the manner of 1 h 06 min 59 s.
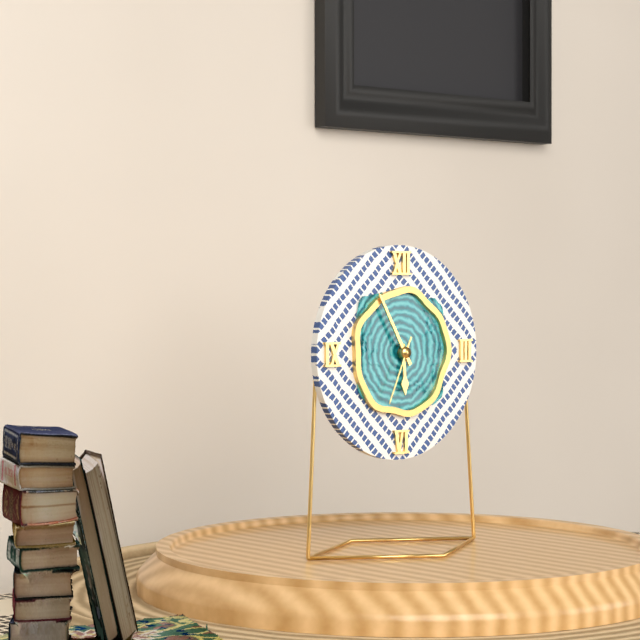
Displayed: 5 h 55 min 34 s
